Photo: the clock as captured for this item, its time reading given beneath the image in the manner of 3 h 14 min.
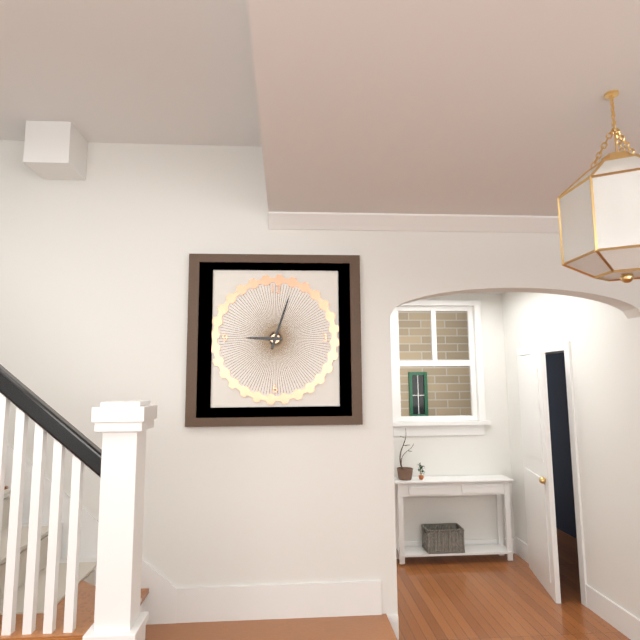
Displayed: 9 h 03 min
